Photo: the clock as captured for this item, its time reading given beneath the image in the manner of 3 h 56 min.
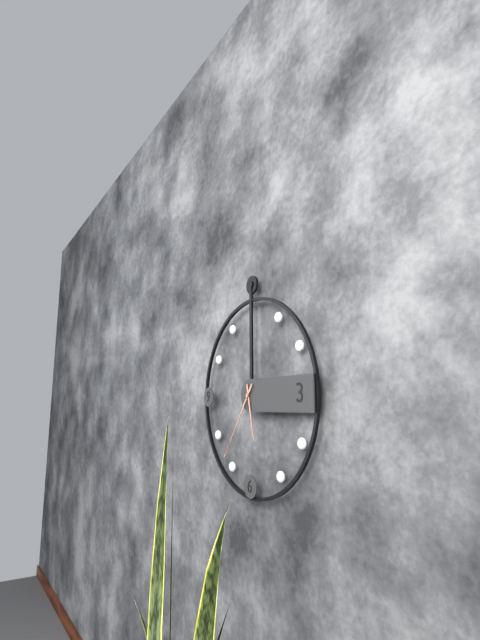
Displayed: 5 h 36 min
